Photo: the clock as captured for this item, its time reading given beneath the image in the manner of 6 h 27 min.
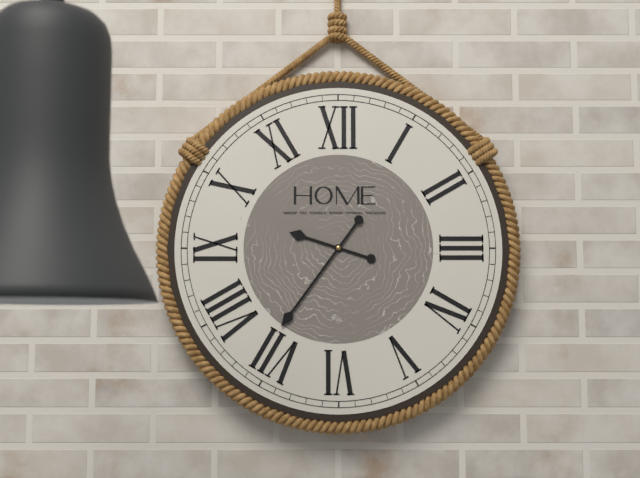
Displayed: 9 h 36 min
